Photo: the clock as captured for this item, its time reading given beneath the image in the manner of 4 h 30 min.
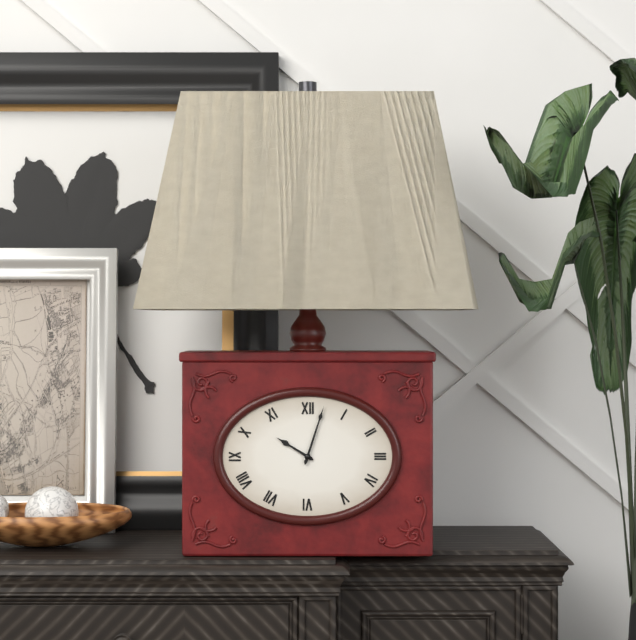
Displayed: 10 h 03 min
